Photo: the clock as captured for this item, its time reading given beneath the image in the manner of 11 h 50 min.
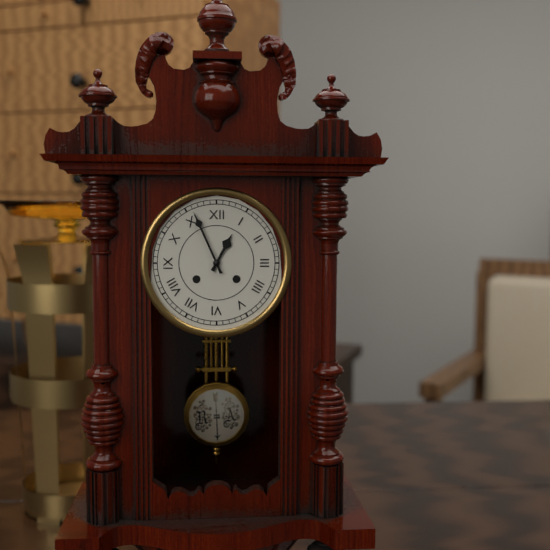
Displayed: 12 h 56 min
